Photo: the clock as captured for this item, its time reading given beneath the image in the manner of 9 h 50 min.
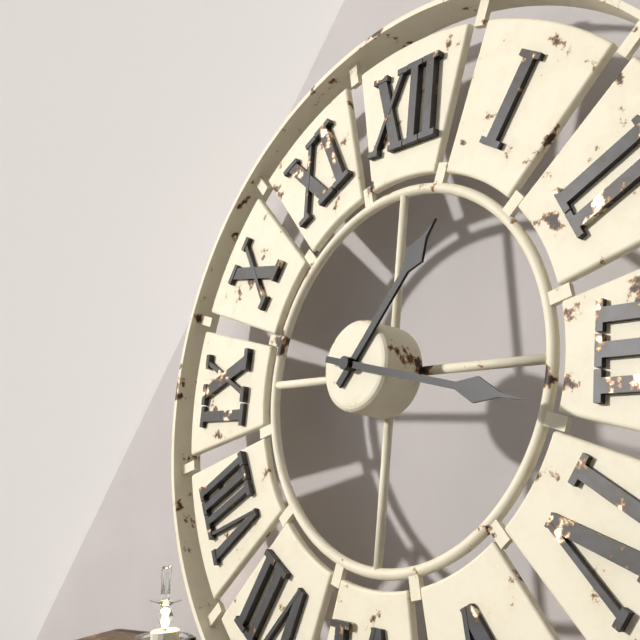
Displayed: 1 h 17 min
